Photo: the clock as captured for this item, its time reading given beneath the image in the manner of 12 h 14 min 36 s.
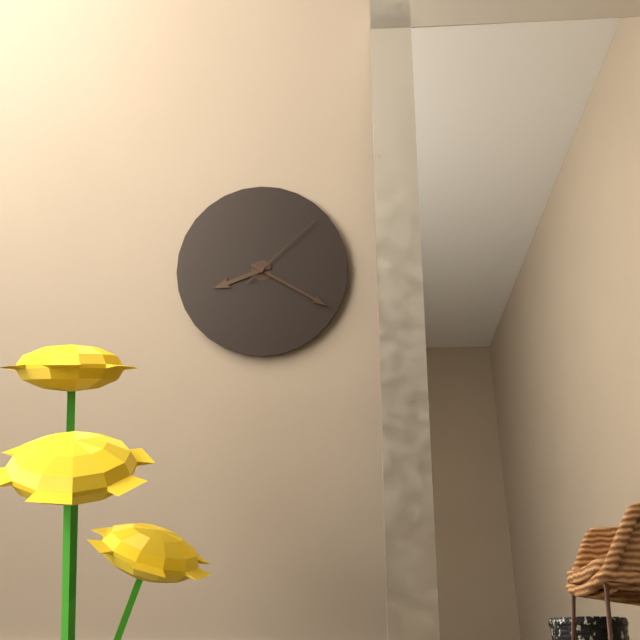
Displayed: 8 h 20 min 08 s
